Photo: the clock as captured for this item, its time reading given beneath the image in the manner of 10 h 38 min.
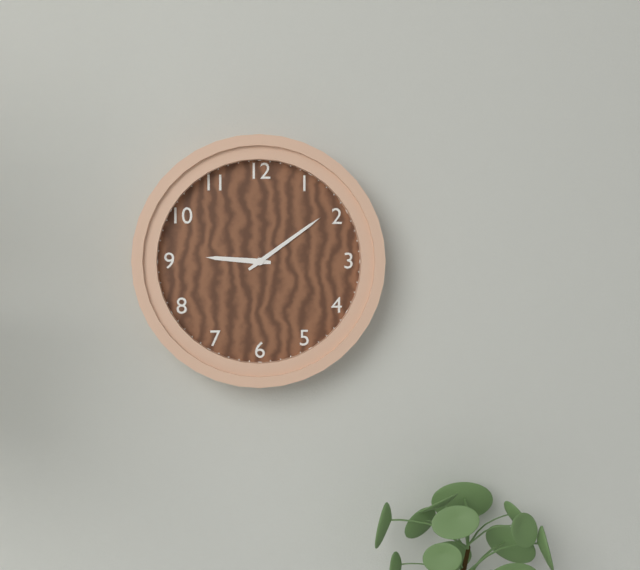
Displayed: 9 h 09 min
